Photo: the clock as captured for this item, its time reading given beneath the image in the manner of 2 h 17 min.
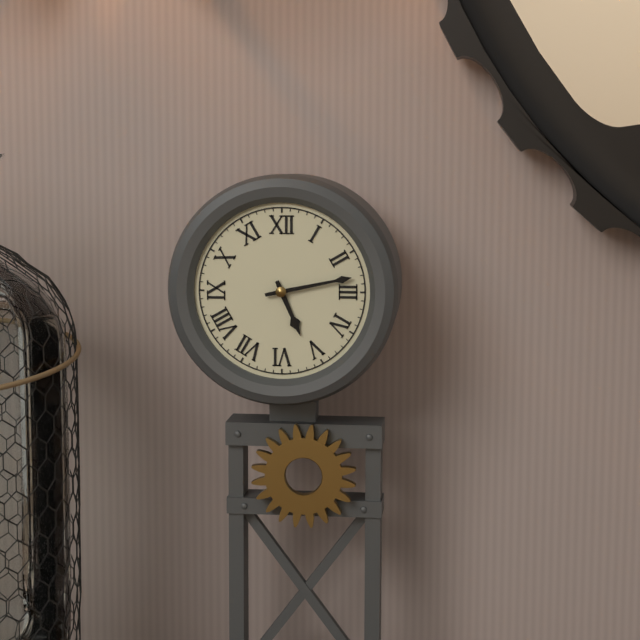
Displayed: 5 h 13 min
